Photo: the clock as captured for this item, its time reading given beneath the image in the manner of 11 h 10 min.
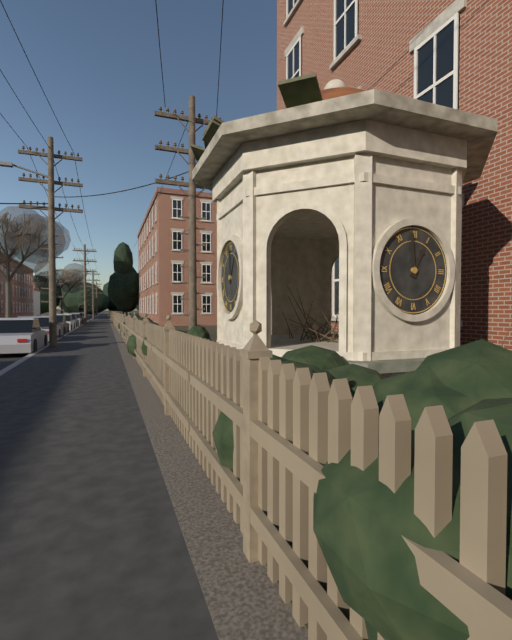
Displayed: 12 h 59 min
